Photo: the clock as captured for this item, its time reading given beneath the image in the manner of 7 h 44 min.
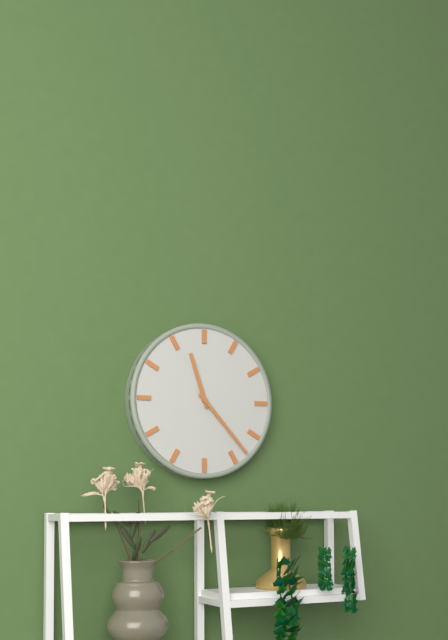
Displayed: 11 h 23 min
